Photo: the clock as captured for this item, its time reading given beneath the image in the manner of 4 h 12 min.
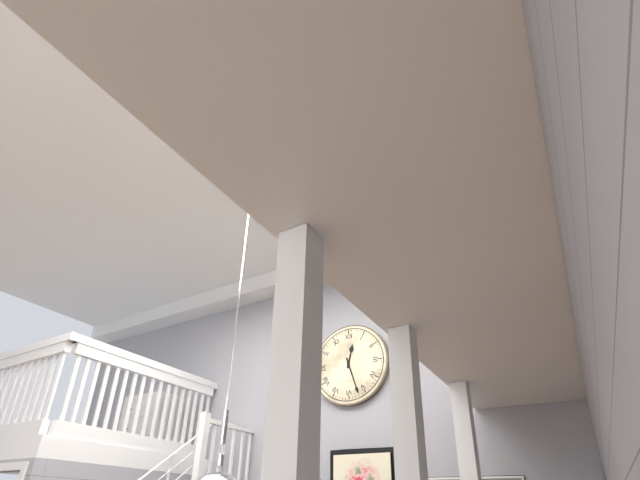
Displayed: 12 h 27 min
